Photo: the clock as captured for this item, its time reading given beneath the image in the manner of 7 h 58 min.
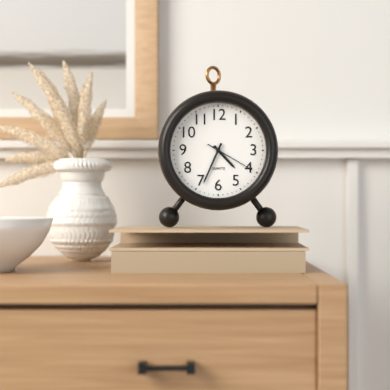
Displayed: 4 h 34 min
